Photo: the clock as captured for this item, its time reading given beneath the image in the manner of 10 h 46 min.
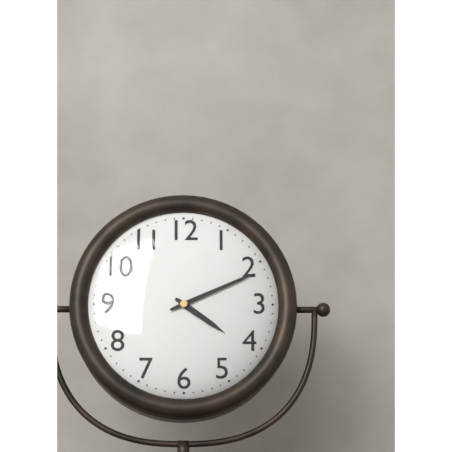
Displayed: 4 h 11 min
